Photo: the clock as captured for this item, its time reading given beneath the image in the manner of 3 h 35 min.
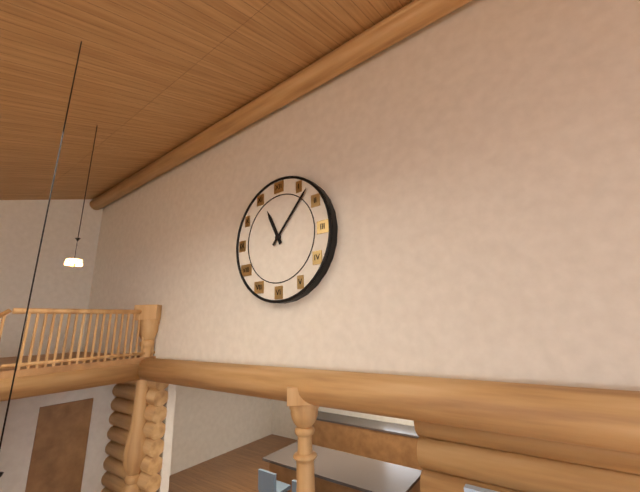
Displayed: 11 h 07 min
